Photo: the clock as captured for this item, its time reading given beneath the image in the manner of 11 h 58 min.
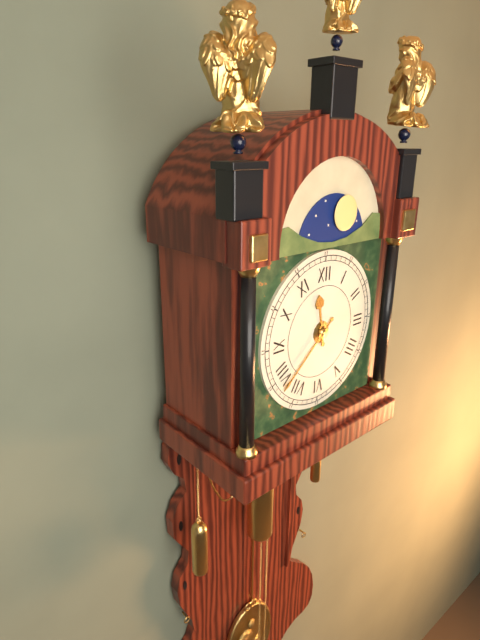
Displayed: 11 h 38 min
